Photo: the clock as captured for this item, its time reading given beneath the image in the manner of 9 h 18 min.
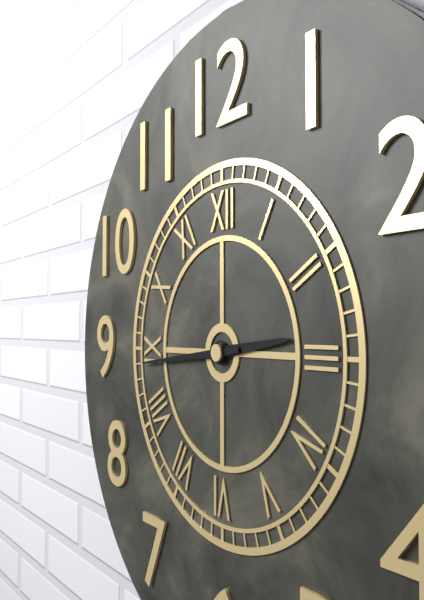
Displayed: 2 h 44 min
